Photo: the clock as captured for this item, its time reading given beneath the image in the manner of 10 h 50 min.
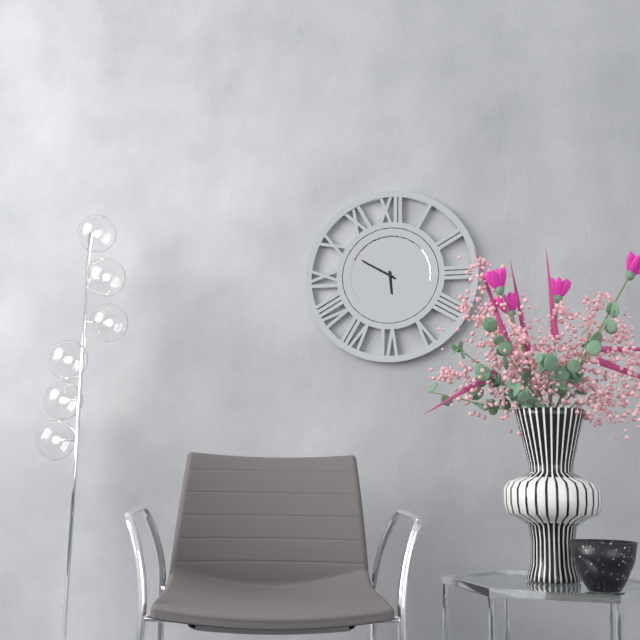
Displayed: 5 h 50 min
